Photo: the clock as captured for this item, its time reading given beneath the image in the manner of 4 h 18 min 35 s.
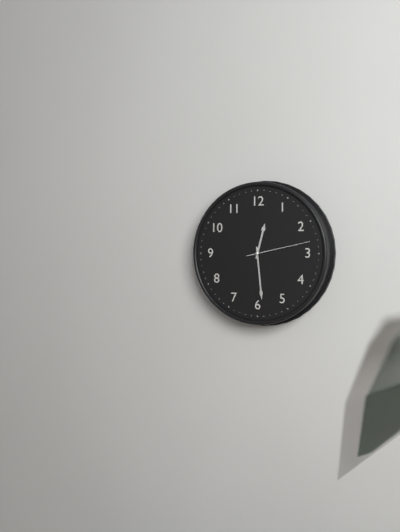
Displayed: 12 h 29 min 13 s
